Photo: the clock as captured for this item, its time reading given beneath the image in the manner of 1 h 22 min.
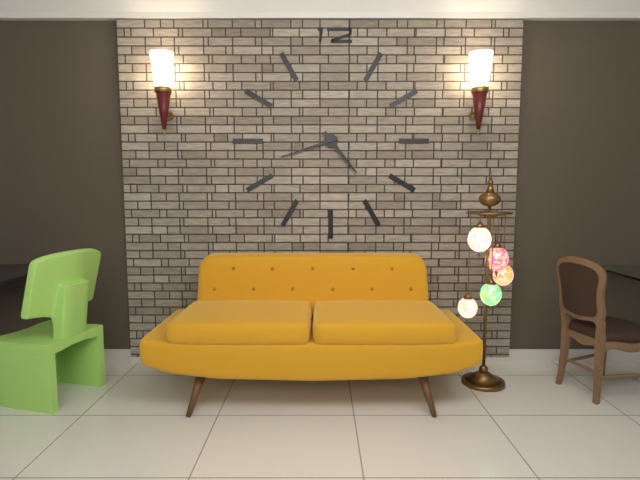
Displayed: 4 h 42 min
